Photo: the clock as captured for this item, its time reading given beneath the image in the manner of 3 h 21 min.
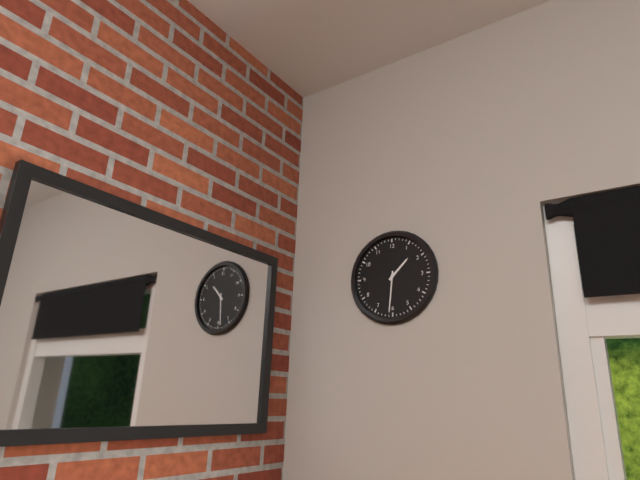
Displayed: 1 h 31 min
